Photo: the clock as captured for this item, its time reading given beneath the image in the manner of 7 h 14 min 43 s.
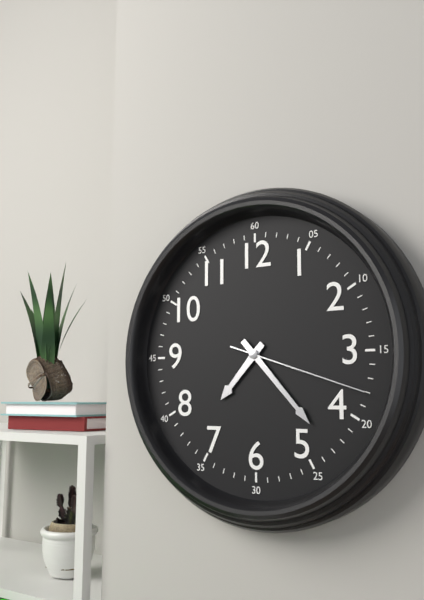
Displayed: 7 h 23 min 18 s
